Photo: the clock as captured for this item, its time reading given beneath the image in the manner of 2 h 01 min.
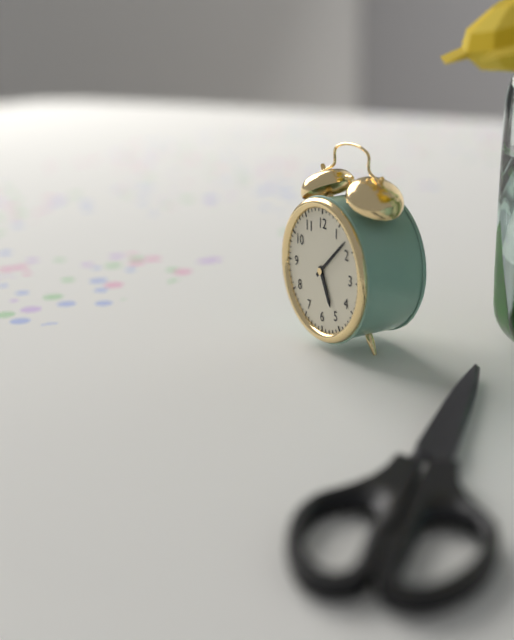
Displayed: 5 h 08 min
